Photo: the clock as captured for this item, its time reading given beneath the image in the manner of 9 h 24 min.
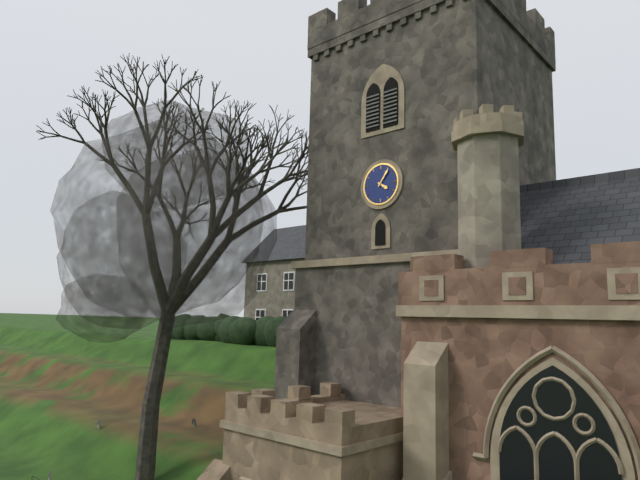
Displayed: 4 h 06 min
